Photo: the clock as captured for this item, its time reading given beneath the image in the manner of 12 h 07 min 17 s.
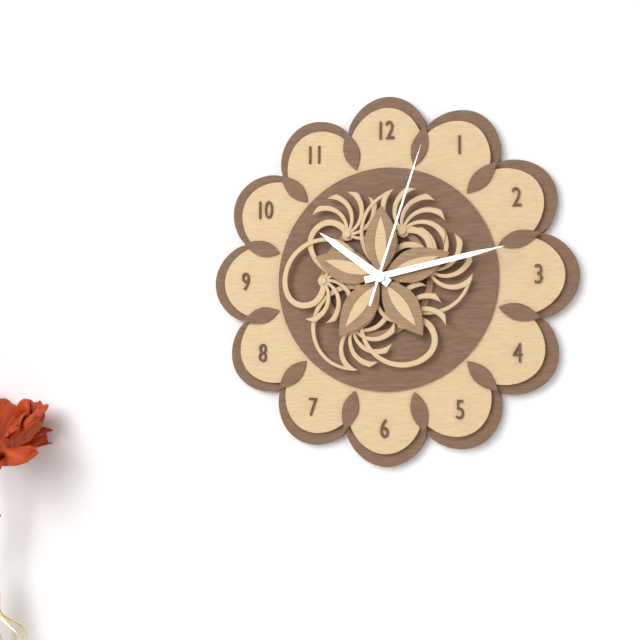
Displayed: 10 h 13 min 03 s
